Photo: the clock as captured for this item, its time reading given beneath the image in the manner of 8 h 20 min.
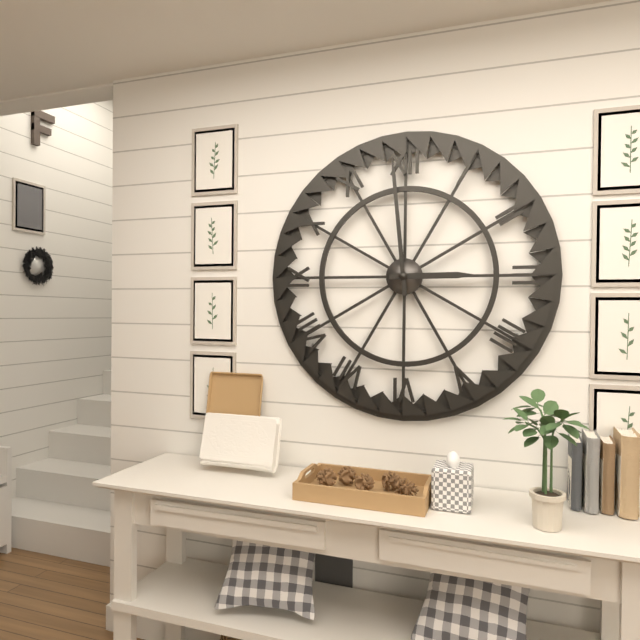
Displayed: 2 h 59 min
